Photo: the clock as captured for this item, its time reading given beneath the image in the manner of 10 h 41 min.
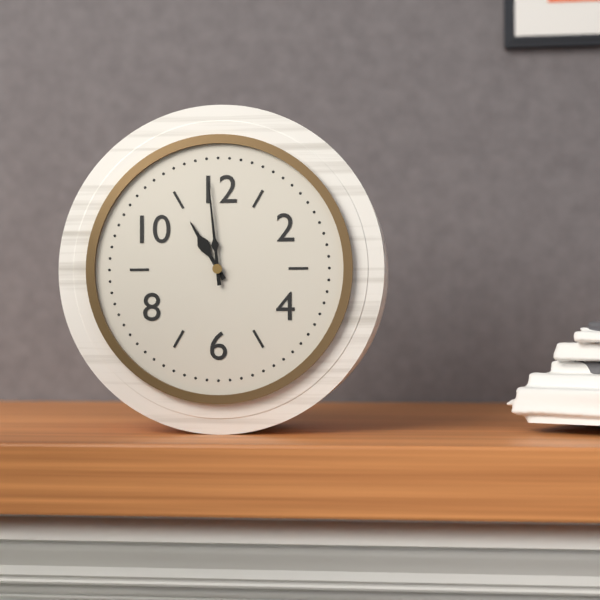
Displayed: 10 h 59 min
